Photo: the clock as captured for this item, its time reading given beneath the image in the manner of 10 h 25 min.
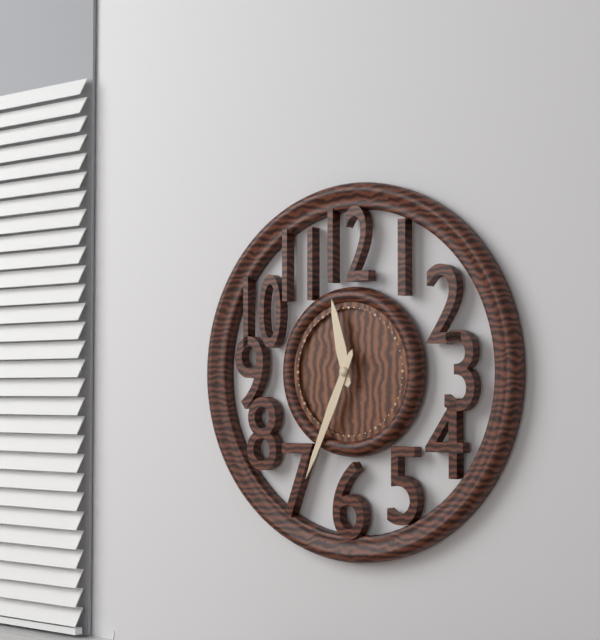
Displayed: 11 h 34 min
